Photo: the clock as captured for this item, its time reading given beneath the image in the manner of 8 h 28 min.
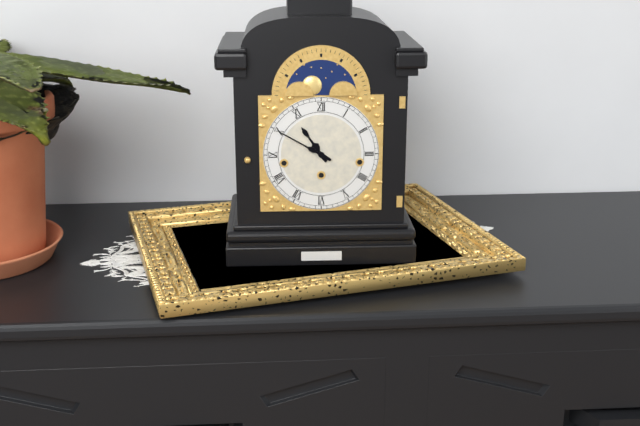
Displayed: 10 h 50 min
